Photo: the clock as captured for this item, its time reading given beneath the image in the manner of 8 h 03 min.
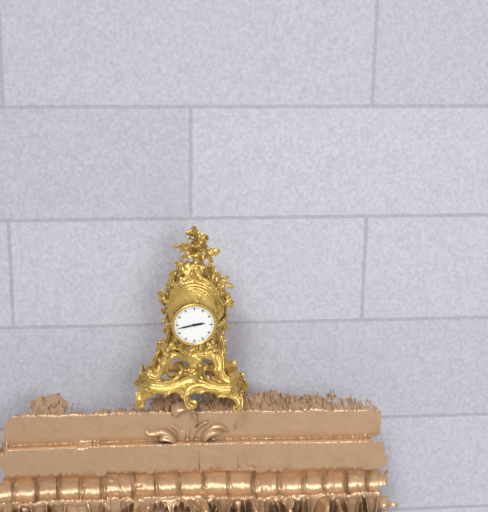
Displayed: 2 h 43 min
